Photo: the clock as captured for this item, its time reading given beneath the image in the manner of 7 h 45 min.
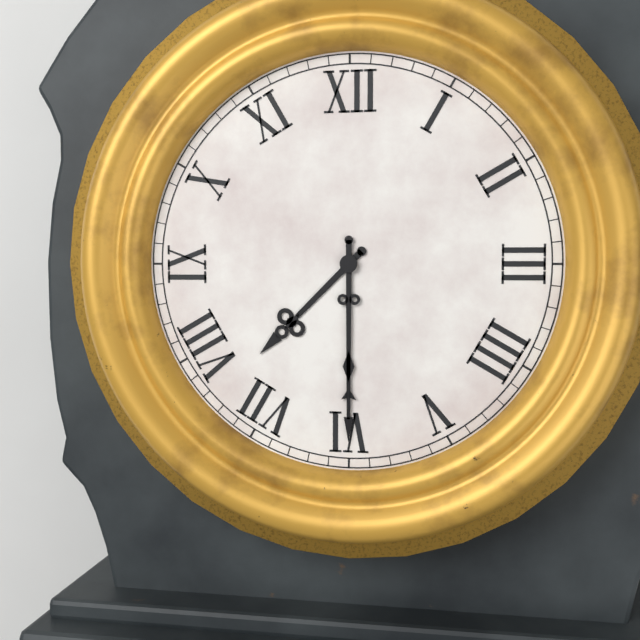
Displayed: 7 h 30 min
